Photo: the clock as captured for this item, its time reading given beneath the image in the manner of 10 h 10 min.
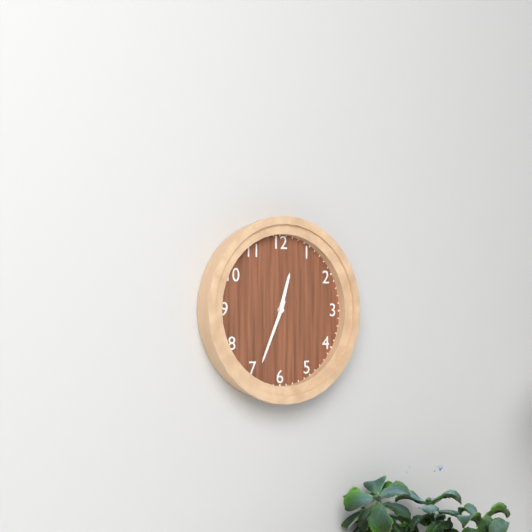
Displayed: 12 h 34 min
